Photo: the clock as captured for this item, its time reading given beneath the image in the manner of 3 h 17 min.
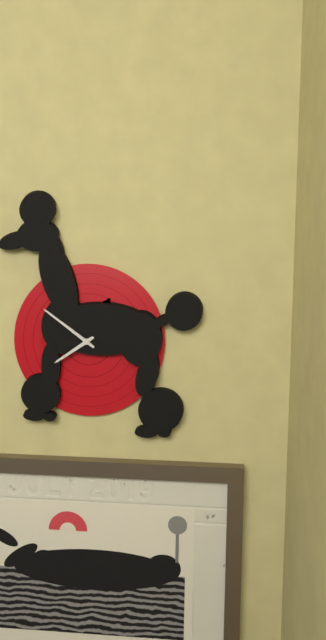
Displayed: 7 h 51 min
